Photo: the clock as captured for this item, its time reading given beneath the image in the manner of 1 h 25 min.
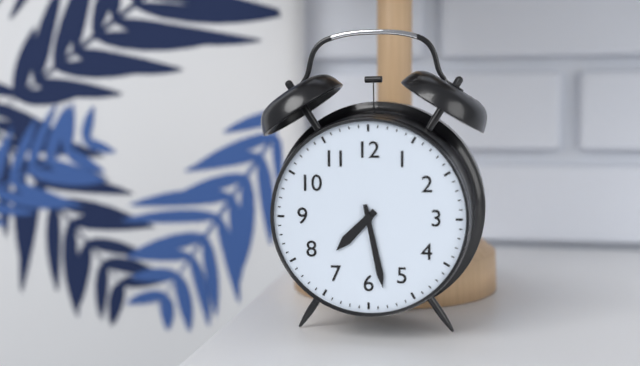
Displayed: 7 h 28 min
